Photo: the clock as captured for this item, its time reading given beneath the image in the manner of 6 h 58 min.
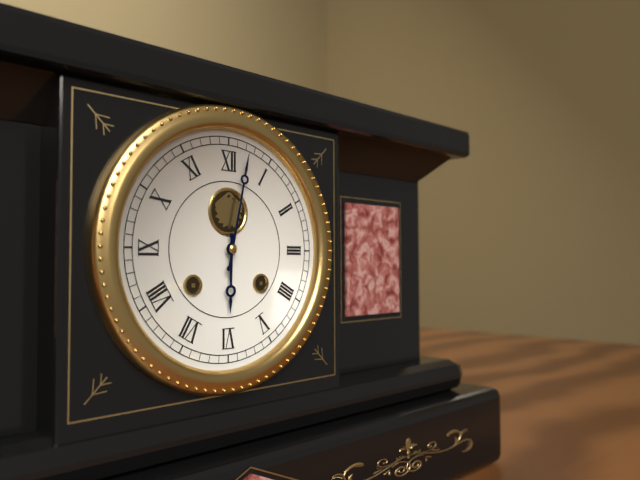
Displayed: 6 h 02 min
